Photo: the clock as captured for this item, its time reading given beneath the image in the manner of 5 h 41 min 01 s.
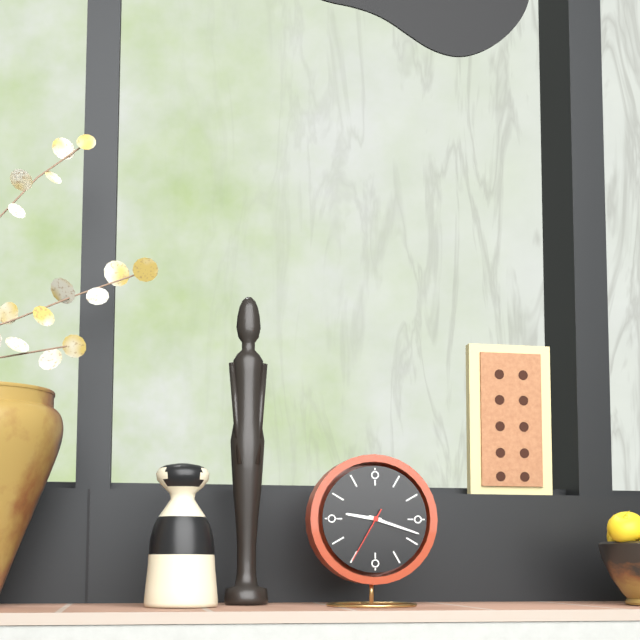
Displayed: 9 h 18 min 35 s
